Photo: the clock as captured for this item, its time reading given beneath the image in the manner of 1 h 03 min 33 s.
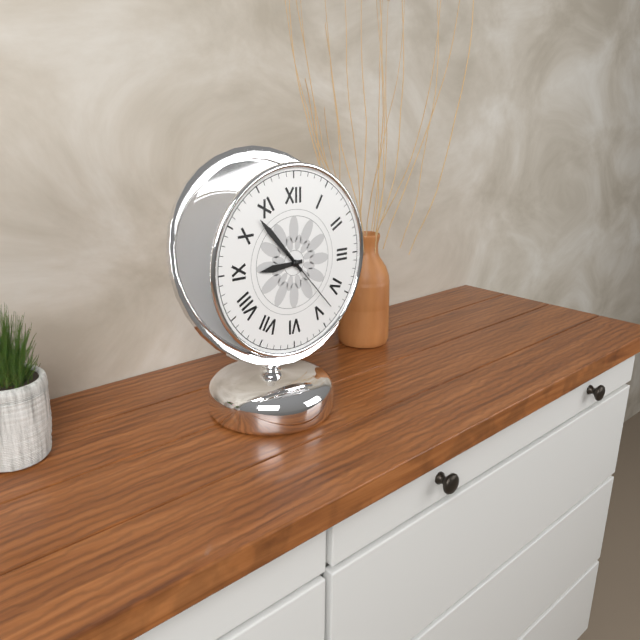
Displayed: 8 h 53 min 23 s
